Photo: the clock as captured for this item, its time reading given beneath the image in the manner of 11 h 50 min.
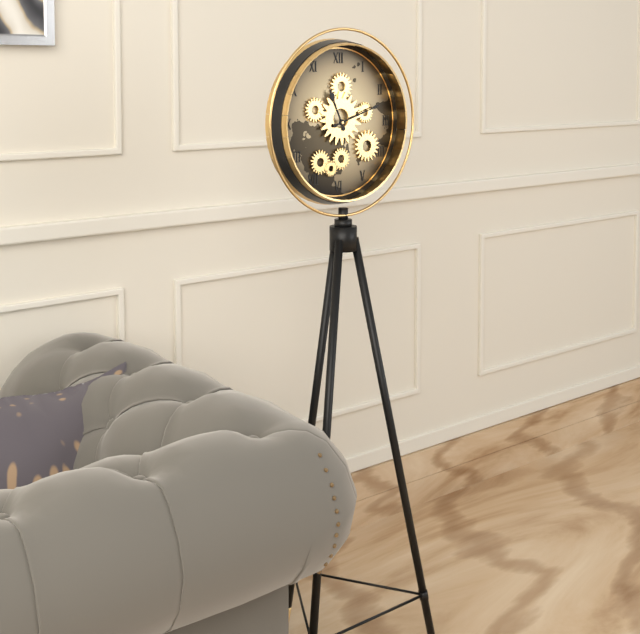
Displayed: 11 h 12 min
